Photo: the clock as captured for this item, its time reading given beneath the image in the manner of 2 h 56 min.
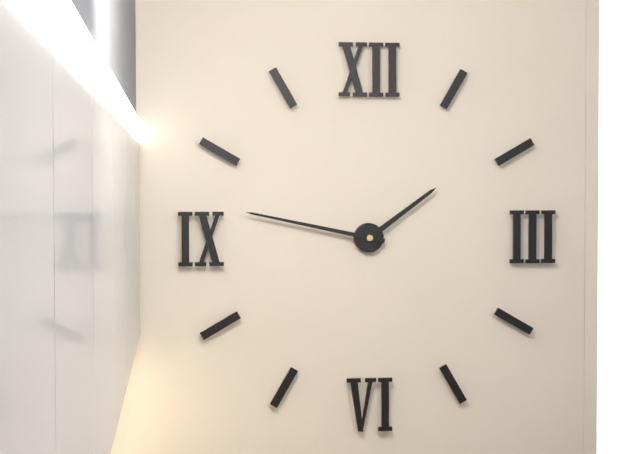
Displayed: 1 h 47 min
